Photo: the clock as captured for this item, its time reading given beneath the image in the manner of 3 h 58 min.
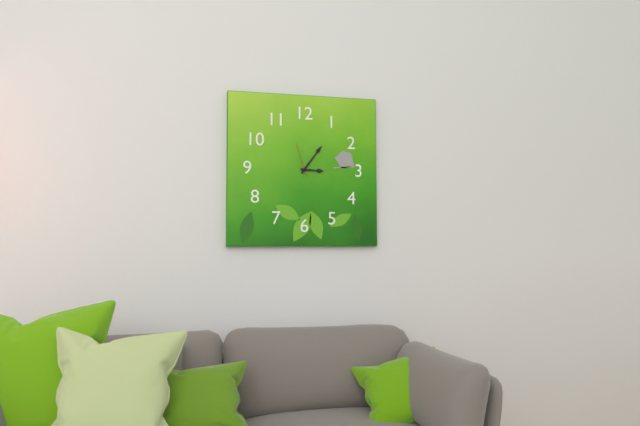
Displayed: 3 h 06 min
